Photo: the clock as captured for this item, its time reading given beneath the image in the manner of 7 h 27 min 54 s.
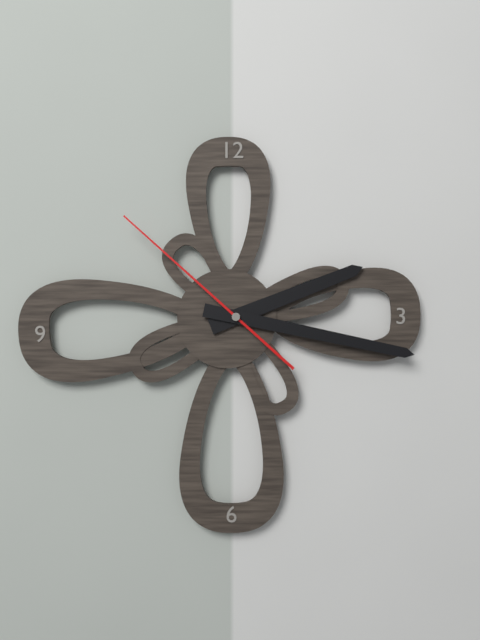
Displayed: 2 h 17 min 52 s
